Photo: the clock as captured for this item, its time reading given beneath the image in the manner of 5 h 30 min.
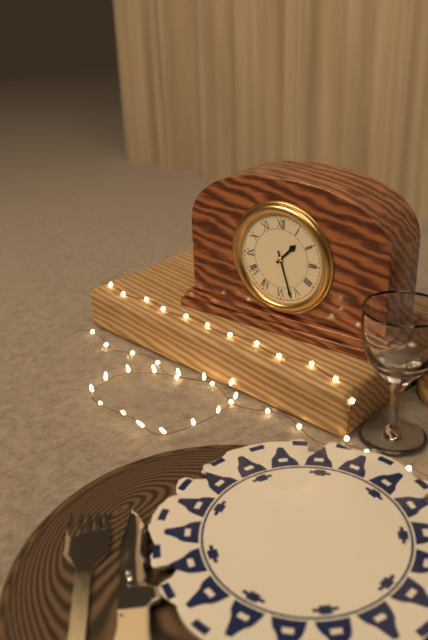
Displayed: 1 h 27 min
